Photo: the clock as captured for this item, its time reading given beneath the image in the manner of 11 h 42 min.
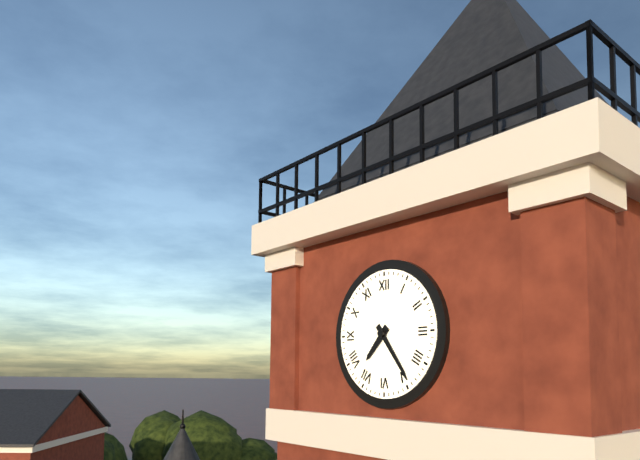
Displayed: 7 h 24 min
